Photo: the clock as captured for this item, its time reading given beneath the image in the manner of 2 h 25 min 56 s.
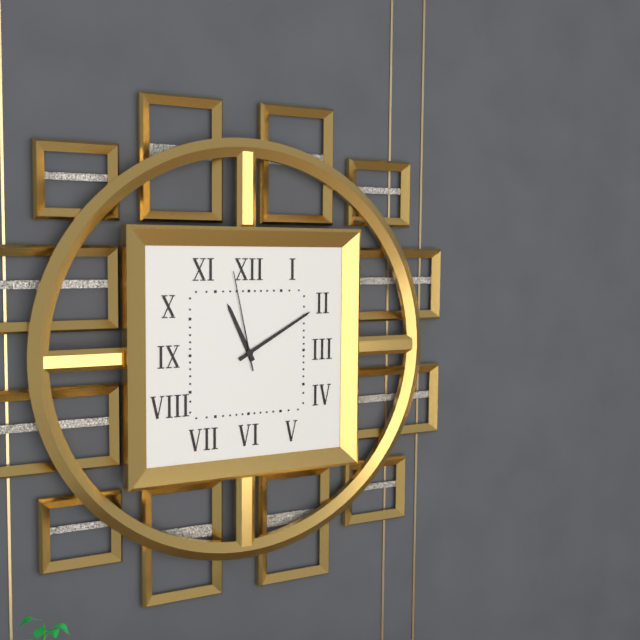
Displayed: 11 h 10 min 58 s
